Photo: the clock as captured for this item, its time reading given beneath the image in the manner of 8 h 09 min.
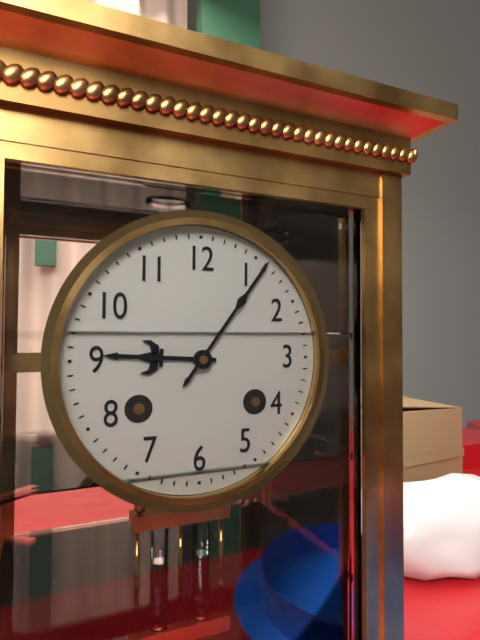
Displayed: 9 h 06 min
